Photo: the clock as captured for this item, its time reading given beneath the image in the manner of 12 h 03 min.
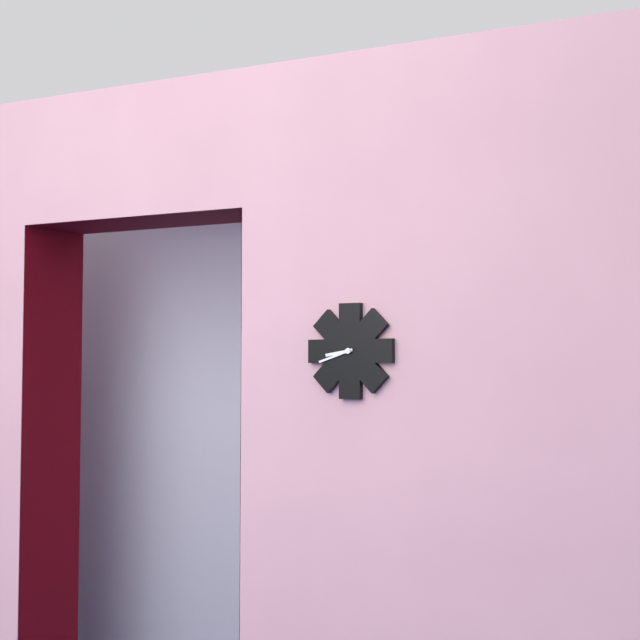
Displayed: 8 h 42 min
